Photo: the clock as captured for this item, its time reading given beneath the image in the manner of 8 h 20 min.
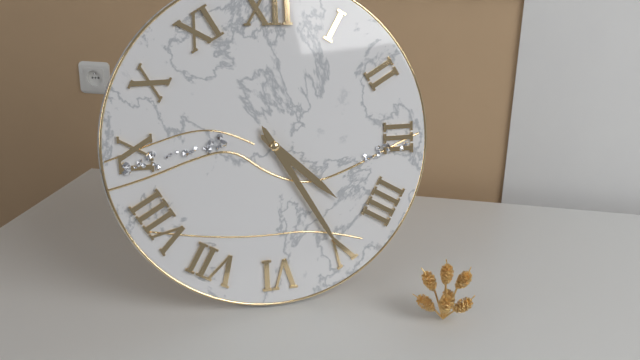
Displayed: 4 h 25 min
